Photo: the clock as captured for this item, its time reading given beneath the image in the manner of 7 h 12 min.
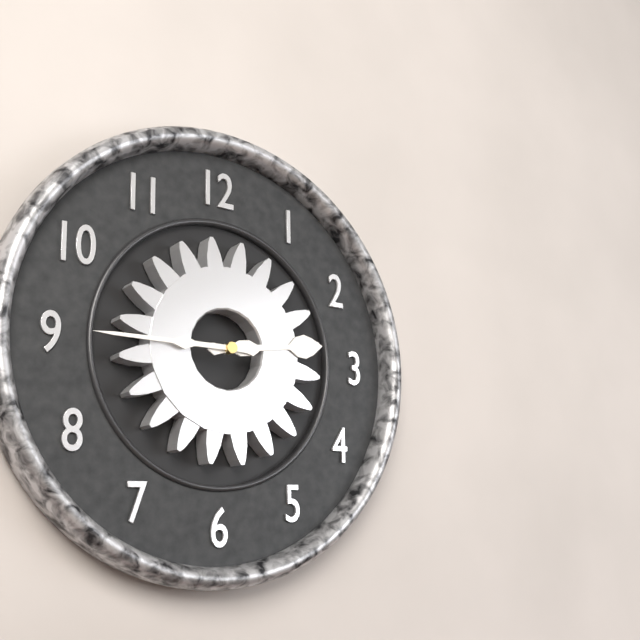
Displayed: 2 h 45 min
